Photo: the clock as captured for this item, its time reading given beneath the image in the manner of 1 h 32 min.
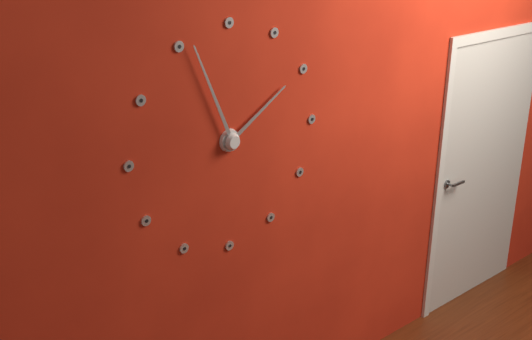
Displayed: 1 h 56 min
